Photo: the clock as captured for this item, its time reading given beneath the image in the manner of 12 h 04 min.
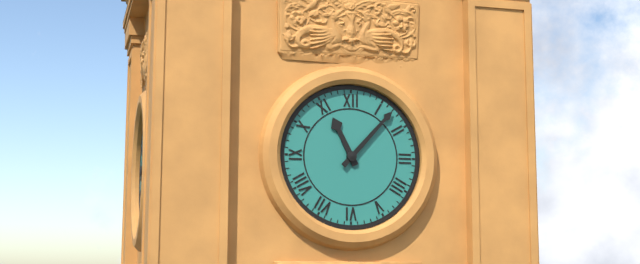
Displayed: 11 h 07 min
